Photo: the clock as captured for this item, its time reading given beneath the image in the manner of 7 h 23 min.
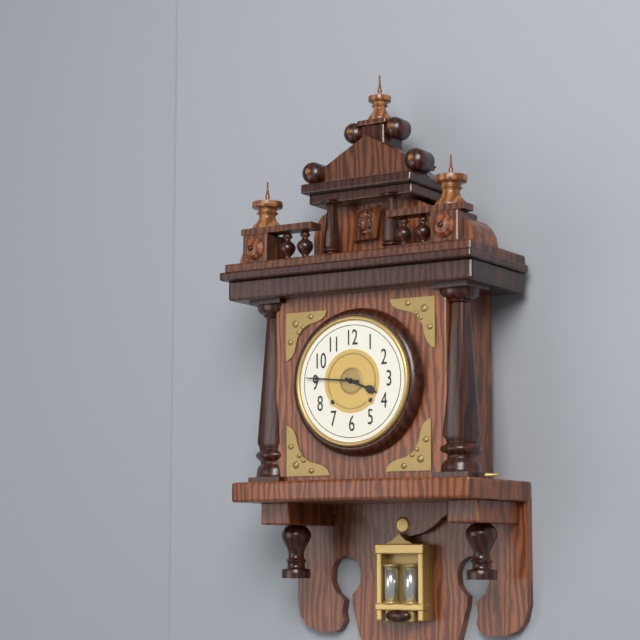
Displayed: 3 h 46 min
